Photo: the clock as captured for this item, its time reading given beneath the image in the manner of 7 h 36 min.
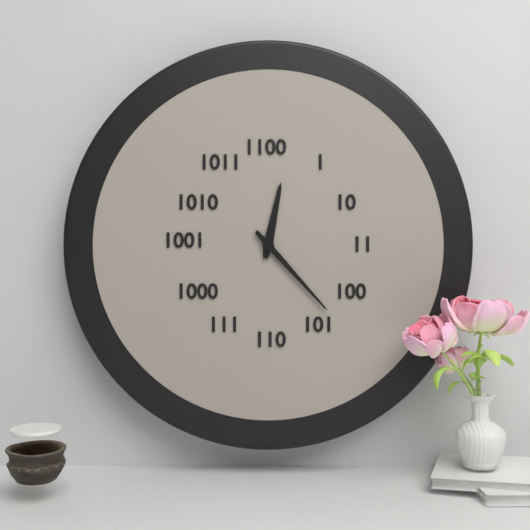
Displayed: 12 h 23 min
